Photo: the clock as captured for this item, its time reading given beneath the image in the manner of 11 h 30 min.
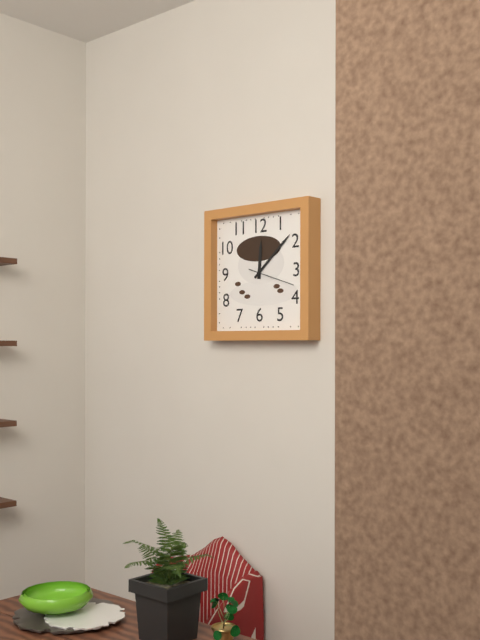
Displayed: 12 h 08 min
